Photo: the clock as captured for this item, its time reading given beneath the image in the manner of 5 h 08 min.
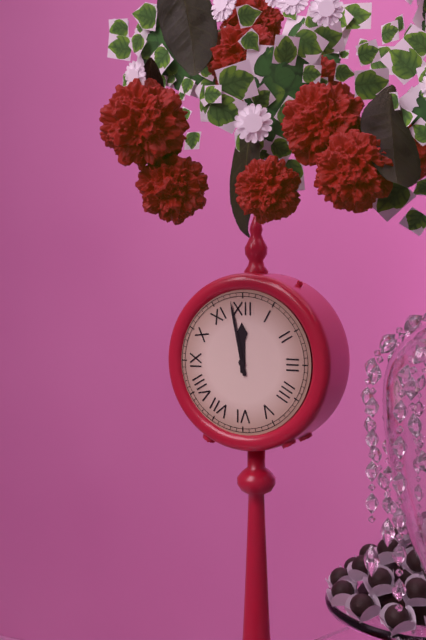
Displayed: 11 h 58 min
